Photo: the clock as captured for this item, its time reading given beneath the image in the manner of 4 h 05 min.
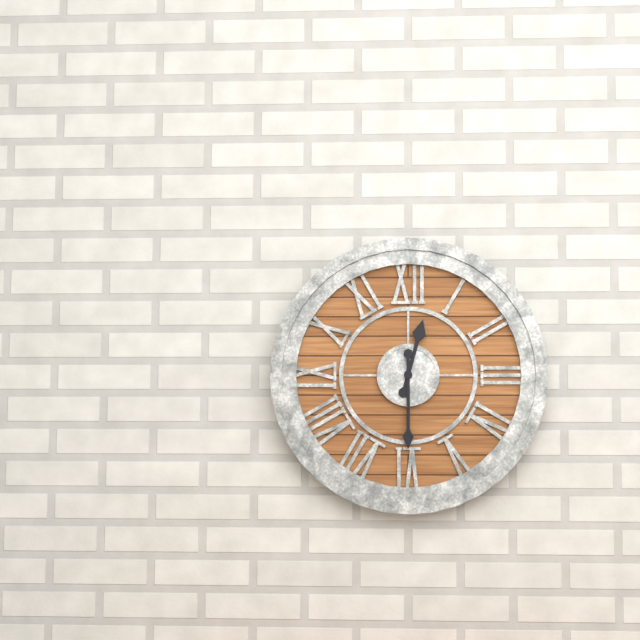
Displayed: 12 h 30 min
